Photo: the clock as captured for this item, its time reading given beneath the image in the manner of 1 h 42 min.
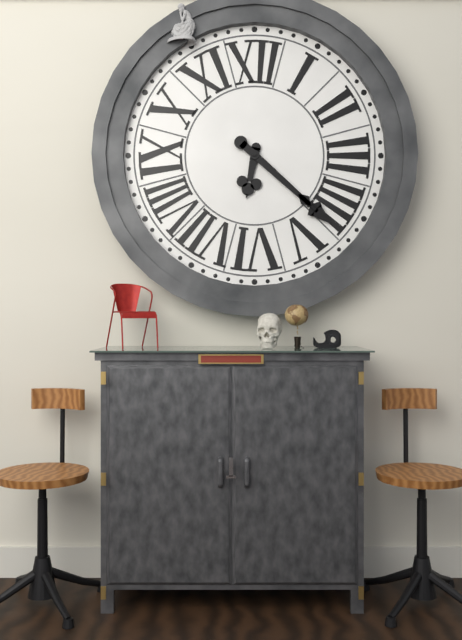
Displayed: 6 h 22 min
